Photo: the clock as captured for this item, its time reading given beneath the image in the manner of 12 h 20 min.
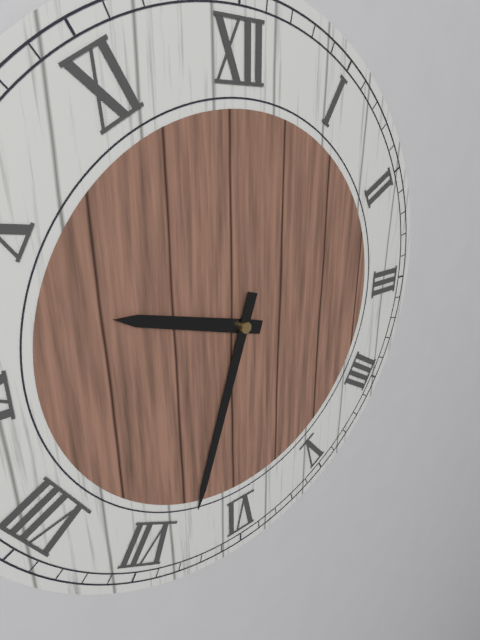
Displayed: 9 h 33 min
